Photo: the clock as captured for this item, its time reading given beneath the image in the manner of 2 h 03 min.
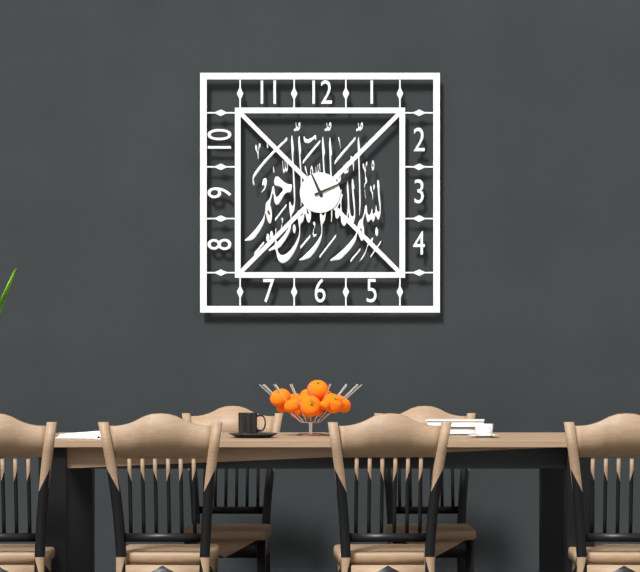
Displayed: 11 h 11 min
